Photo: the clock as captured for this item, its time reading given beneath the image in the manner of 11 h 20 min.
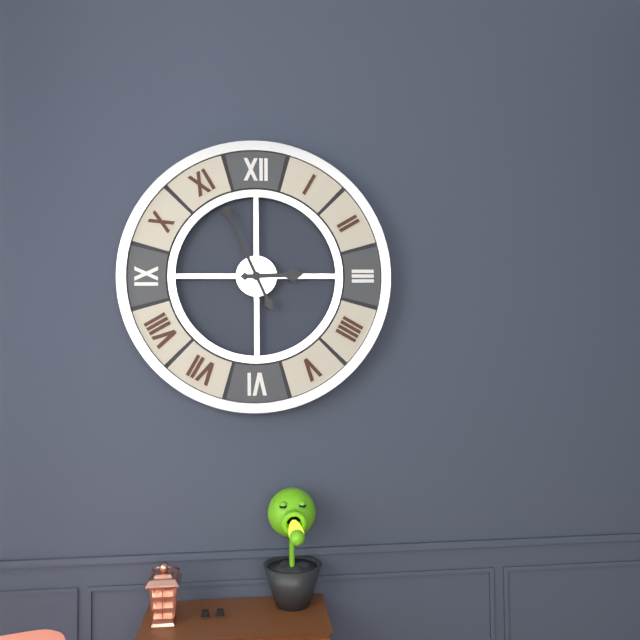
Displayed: 2 h 56 min
